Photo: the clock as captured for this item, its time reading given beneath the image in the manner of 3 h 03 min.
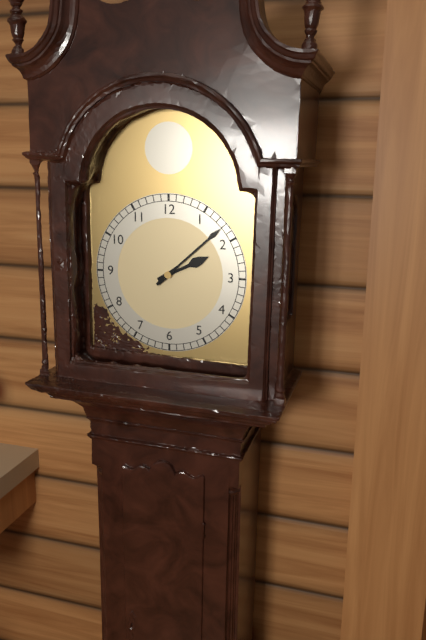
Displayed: 2 h 08 min
